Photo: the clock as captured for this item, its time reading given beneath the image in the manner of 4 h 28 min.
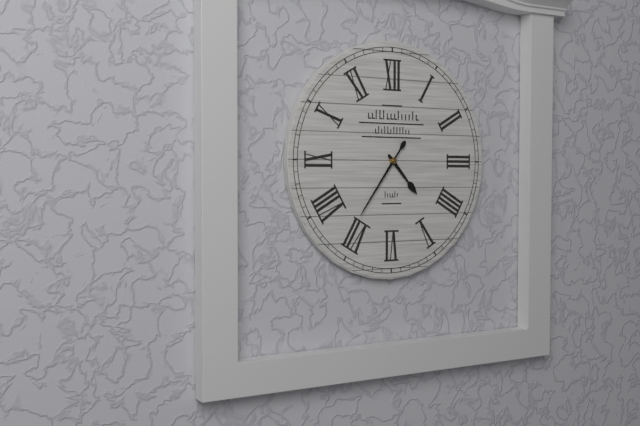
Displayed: 4 h 36 min
